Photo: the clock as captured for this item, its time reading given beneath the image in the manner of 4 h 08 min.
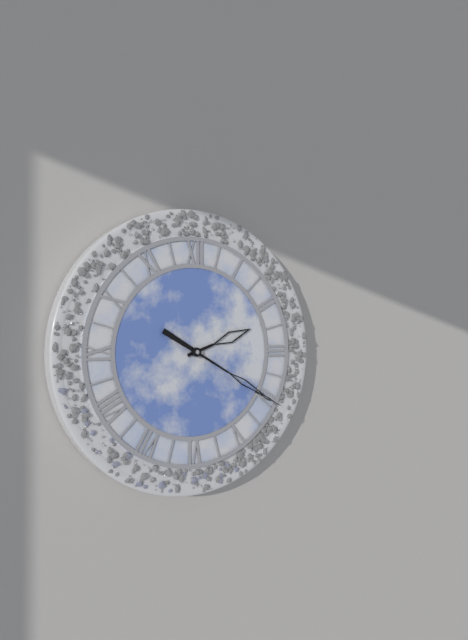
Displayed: 2 h 20 min
